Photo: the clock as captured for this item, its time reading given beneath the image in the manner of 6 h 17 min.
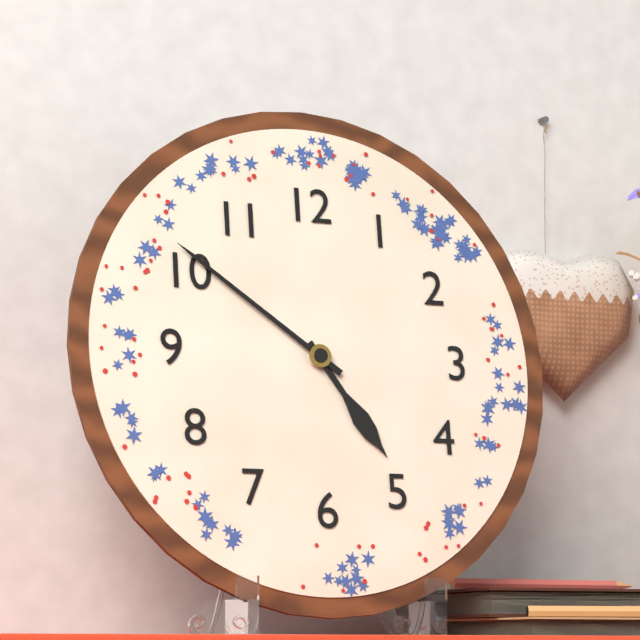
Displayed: 4 h 51 min
